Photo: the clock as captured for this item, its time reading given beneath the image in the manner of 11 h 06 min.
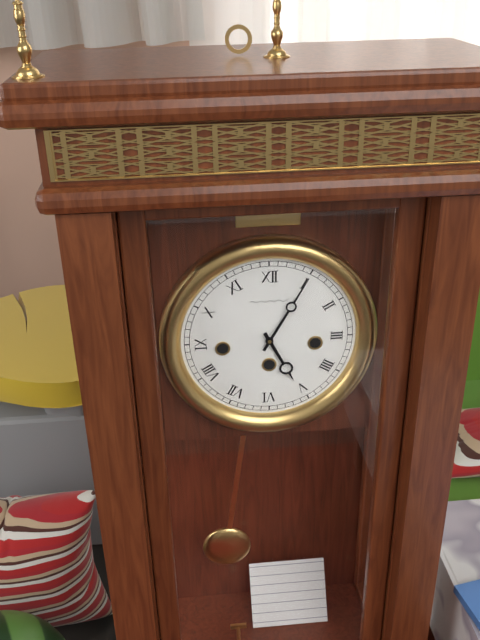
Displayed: 5 h 05 min
